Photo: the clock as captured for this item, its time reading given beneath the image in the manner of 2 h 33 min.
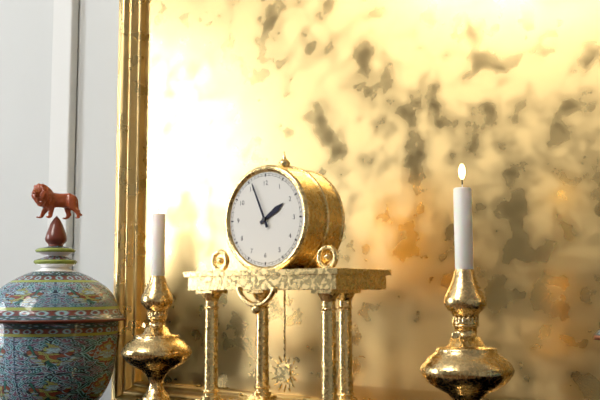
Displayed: 1 h 56 min
